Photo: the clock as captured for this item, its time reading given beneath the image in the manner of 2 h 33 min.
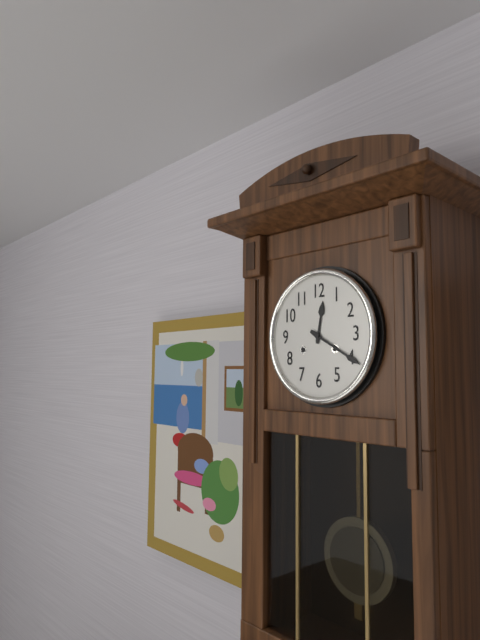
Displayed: 12 h 20 min
